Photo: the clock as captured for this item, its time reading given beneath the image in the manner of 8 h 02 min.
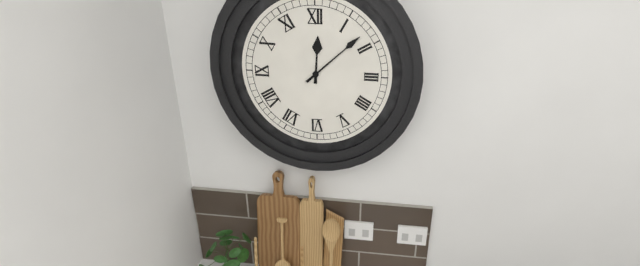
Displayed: 12 h 08 min
